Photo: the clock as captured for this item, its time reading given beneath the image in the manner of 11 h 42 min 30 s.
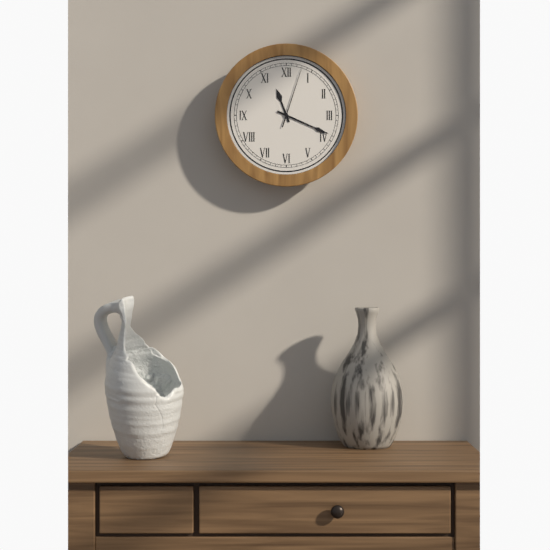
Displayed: 11 h 19 min 03 s
